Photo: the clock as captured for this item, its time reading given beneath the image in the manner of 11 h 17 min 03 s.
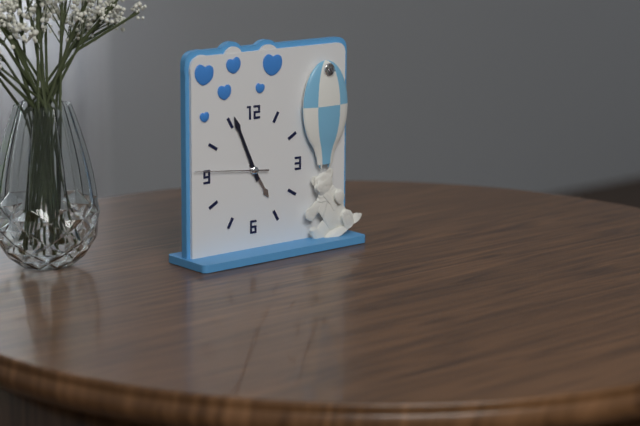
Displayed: 4 h 56 min 46 s
